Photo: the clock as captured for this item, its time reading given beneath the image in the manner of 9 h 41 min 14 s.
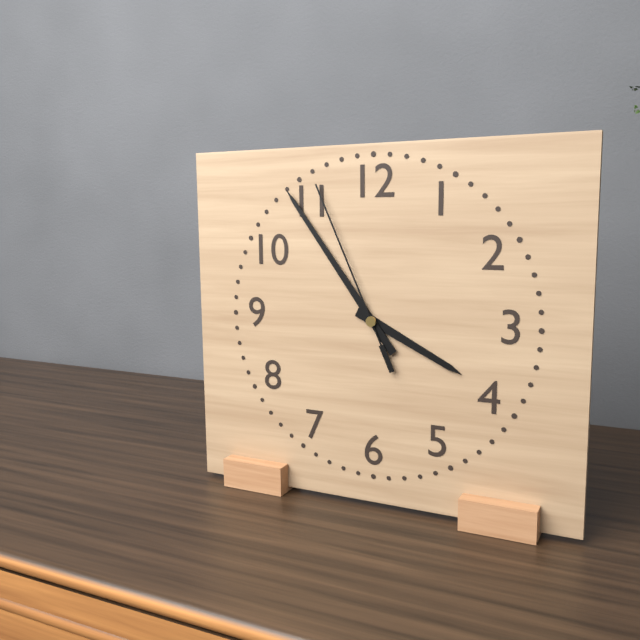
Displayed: 3 h 54 min 56 s
